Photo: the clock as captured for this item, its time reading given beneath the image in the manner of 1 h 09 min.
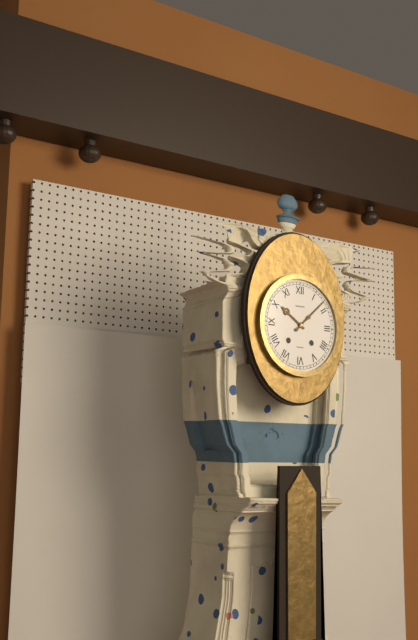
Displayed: 10 h 08 min
